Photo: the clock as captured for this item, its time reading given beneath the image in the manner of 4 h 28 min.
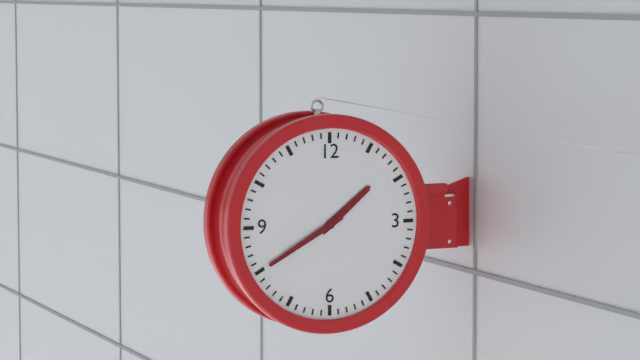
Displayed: 1 h 40 min
